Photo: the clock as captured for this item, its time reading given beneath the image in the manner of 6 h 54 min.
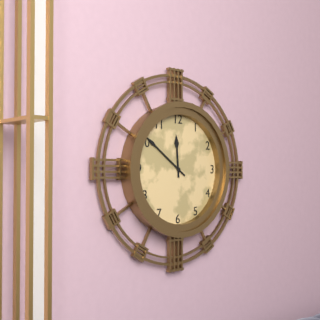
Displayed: 11 h 51 min
